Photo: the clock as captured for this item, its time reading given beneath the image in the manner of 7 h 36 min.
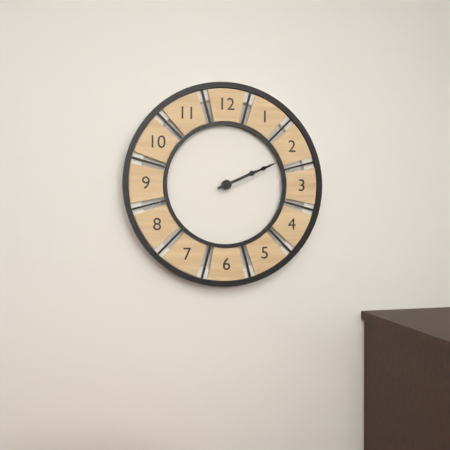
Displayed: 2 h 11 min
